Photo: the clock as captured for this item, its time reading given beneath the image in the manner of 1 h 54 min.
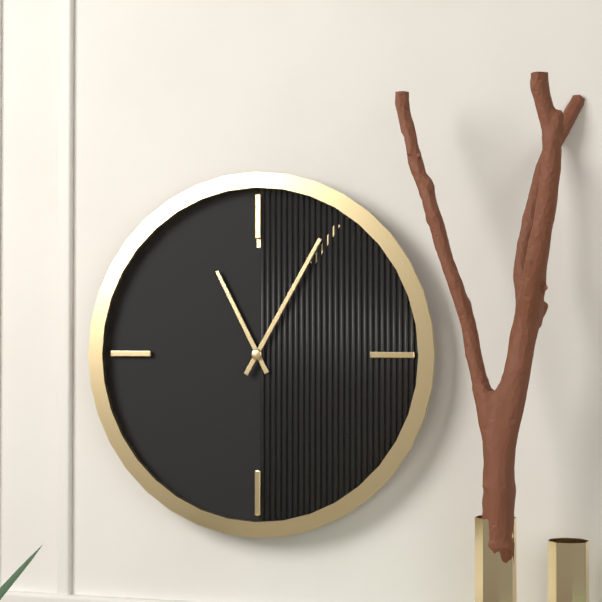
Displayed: 11 h 05 min
